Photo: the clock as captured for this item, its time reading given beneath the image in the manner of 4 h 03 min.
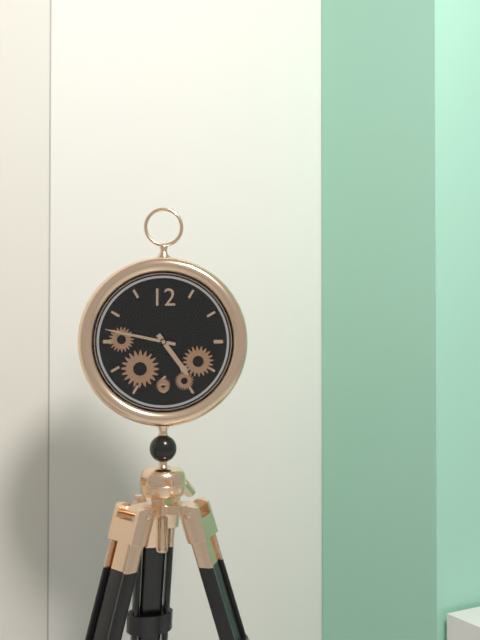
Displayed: 4 h 47 min
